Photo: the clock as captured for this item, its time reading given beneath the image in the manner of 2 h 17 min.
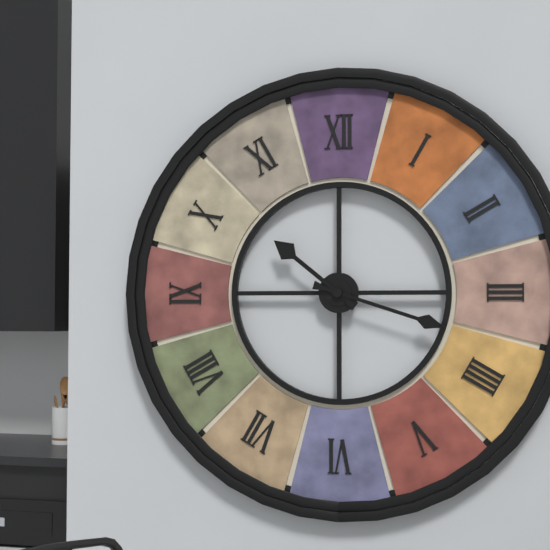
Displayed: 10 h 18 min
